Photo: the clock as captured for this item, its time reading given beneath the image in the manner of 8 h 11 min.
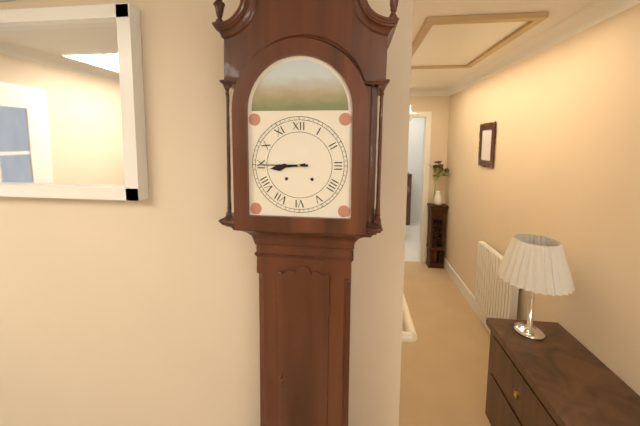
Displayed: 8 h 45 min
